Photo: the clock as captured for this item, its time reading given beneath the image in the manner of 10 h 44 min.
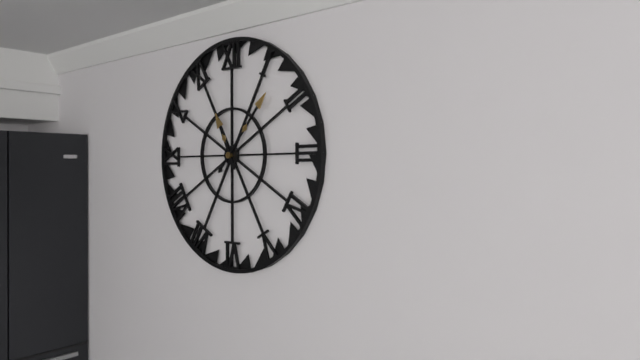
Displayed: 11 h 07 min
